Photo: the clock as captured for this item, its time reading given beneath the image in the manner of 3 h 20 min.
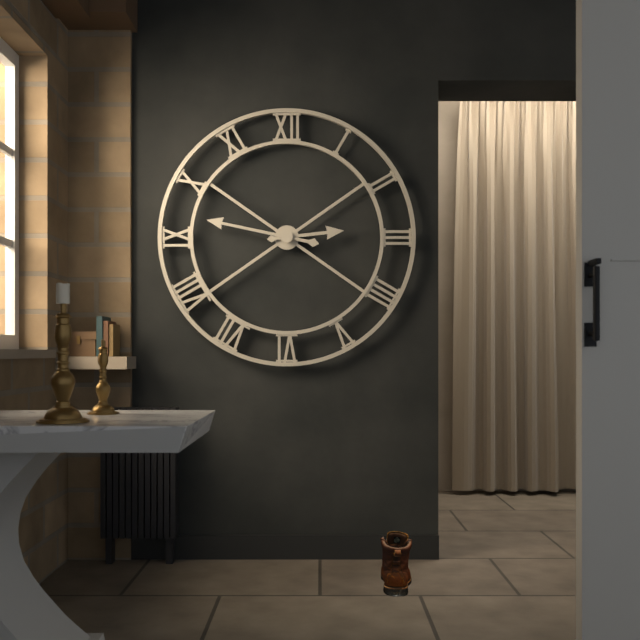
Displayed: 2 h 47 min
